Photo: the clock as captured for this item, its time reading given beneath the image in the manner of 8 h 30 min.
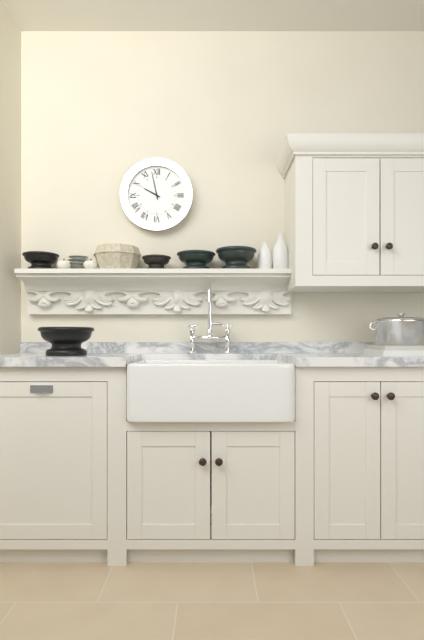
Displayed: 9 h 58 min
